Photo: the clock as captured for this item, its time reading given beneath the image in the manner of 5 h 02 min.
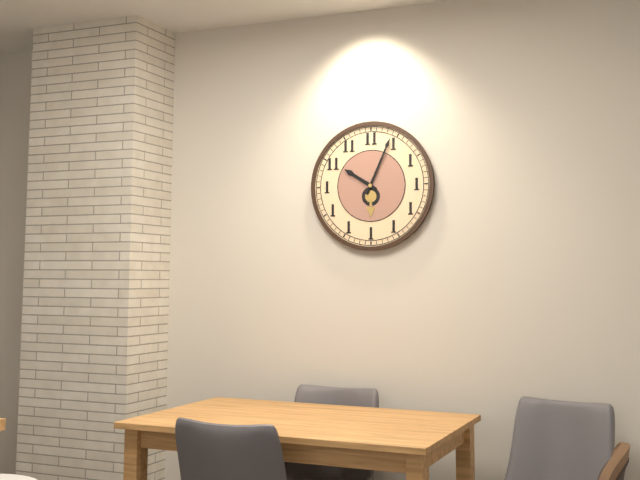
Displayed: 10 h 04 min
